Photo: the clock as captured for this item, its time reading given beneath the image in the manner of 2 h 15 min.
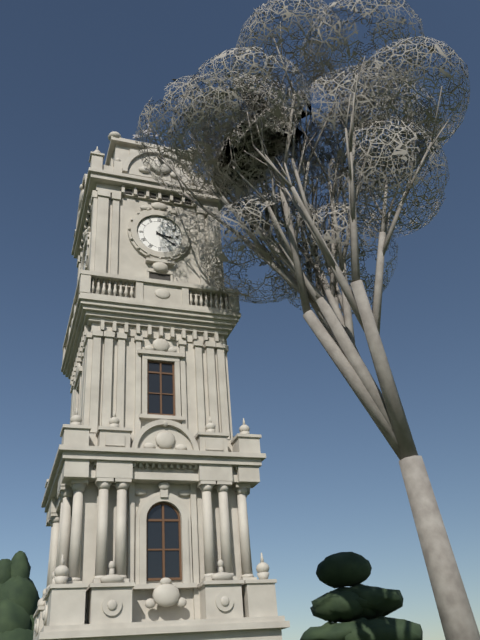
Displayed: 3 h 21 min
